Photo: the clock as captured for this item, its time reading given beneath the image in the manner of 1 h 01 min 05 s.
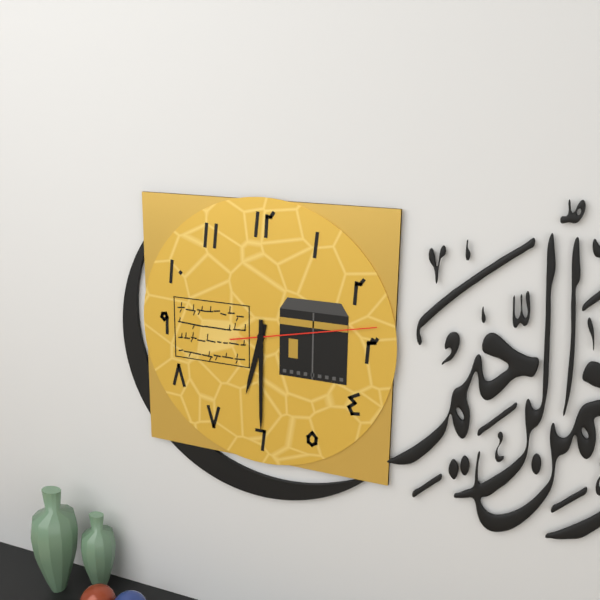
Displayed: 6 h 30 min 13 s
